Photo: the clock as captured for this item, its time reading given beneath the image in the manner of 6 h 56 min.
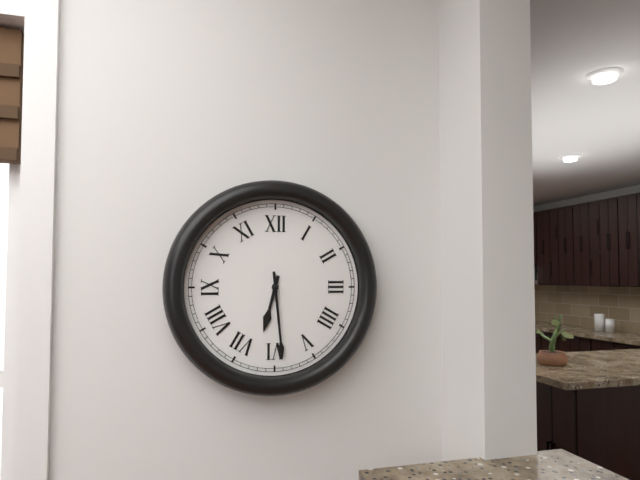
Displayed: 6 h 29 min
